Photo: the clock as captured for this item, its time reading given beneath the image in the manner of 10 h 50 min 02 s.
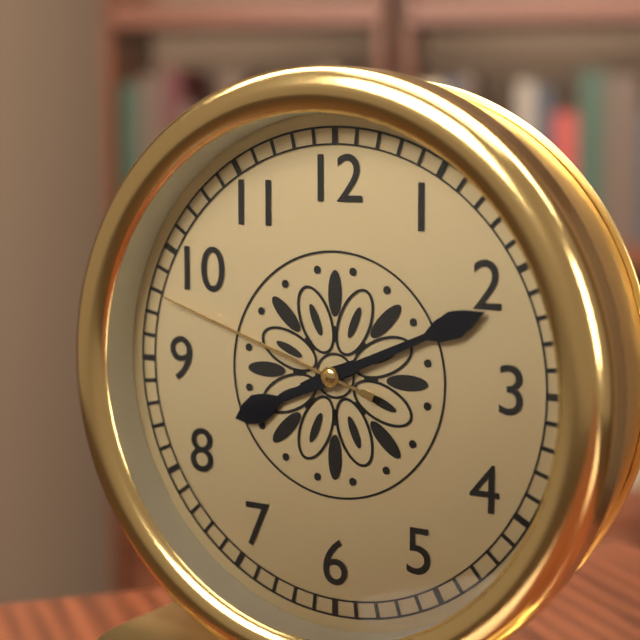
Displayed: 8 h 11 min 48 s
